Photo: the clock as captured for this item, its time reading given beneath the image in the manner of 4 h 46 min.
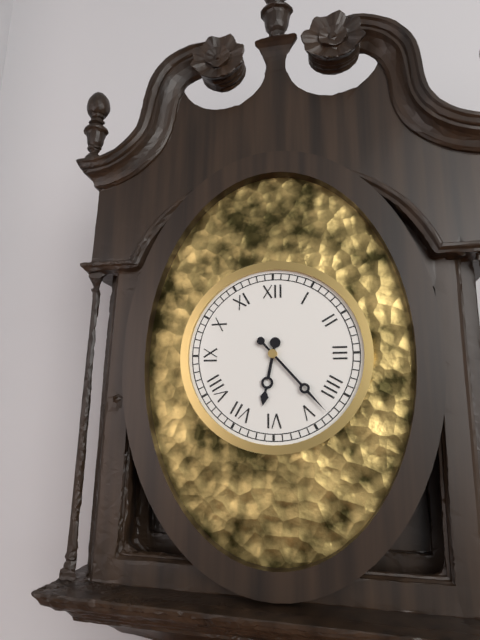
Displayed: 6 h 23 min
